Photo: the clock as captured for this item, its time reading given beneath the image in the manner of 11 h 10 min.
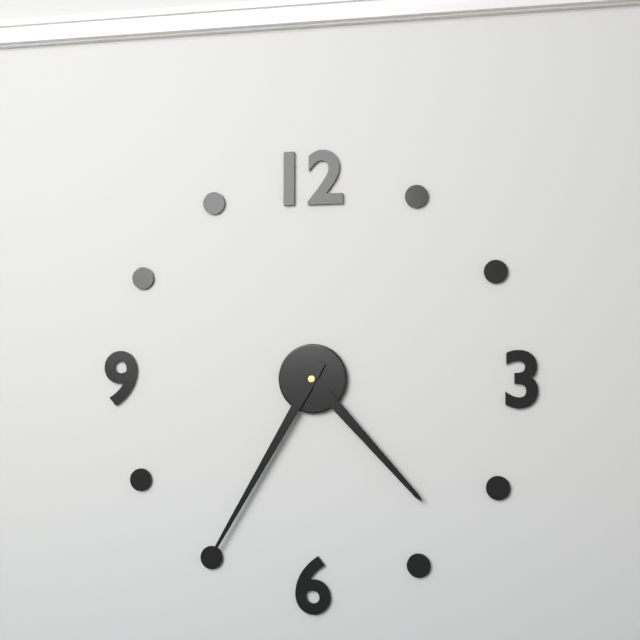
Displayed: 4 h 35 min
